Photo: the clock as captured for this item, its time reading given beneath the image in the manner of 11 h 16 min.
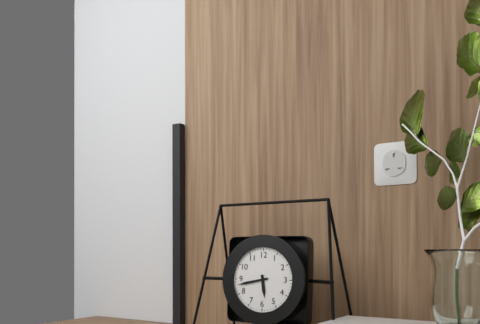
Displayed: 5 h 43 min
